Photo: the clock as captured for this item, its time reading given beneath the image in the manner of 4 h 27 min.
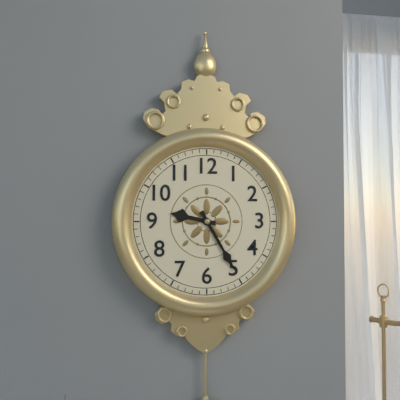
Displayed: 9 h 25 min
